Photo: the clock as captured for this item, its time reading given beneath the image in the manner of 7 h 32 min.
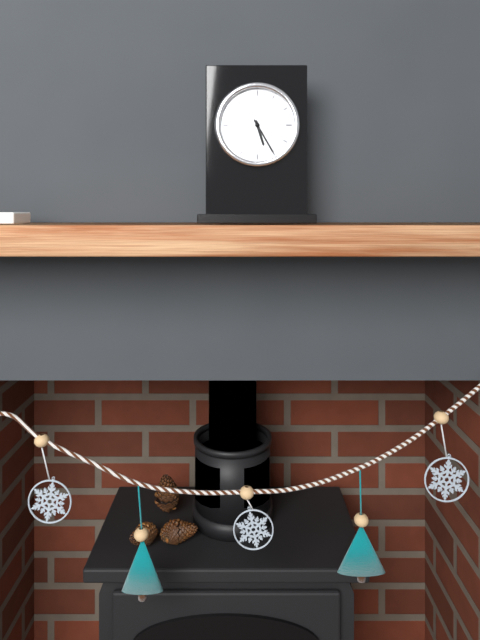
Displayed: 5 h 25 min
